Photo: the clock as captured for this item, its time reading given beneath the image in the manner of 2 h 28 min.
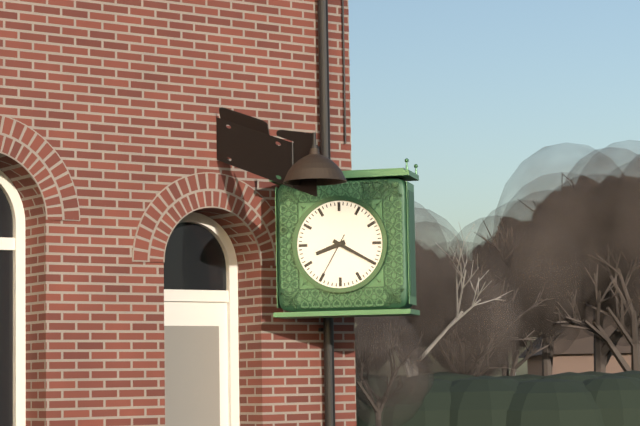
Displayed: 8 h 20 min
